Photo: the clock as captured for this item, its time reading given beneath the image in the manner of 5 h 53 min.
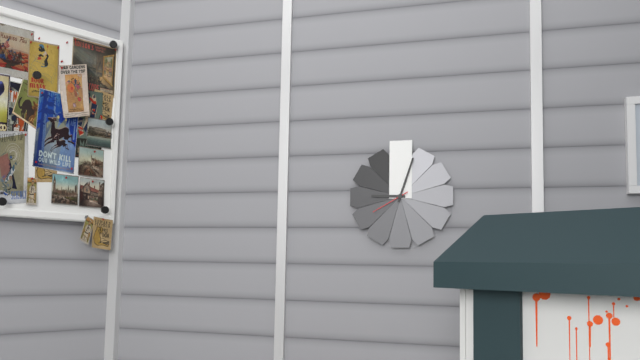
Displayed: 9 h 03 min
